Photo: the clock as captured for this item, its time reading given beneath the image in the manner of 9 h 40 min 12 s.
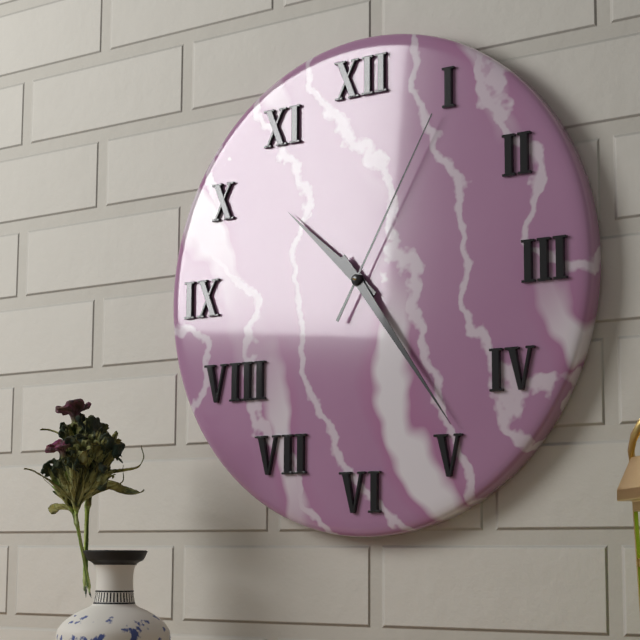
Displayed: 10 h 24 min 05 s
